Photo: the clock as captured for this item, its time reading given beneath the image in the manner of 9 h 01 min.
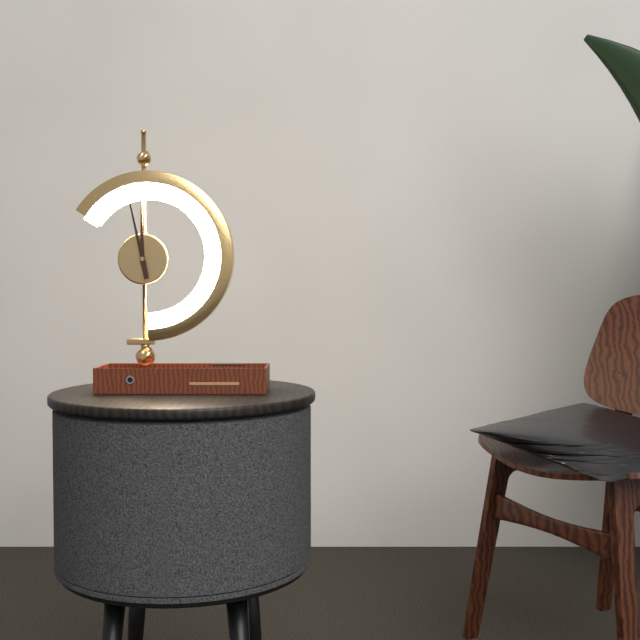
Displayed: 11 h 58 min
